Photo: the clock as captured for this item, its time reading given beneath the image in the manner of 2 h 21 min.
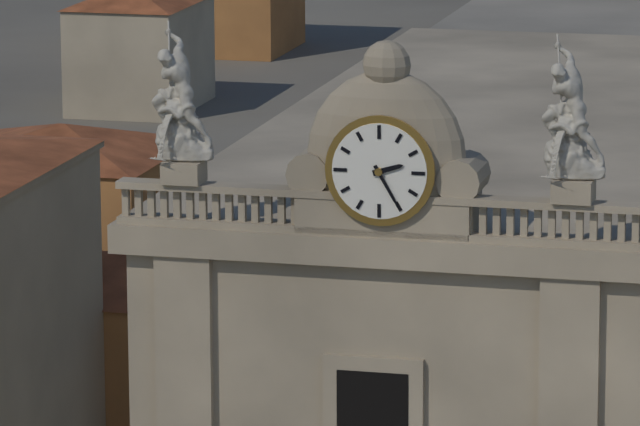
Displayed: 2 h 25 min
